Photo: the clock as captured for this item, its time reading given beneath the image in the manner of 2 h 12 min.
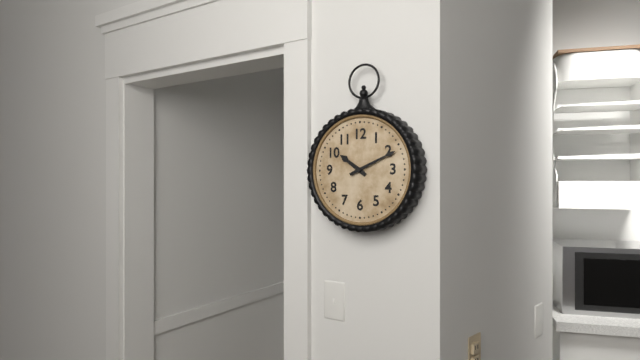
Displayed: 10 h 11 min
